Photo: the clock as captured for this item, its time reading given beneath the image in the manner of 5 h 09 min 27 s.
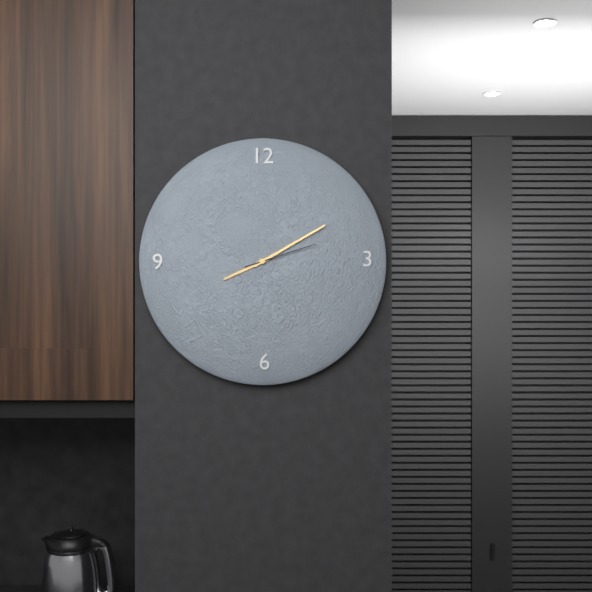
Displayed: 8 h 10 min 12 s
